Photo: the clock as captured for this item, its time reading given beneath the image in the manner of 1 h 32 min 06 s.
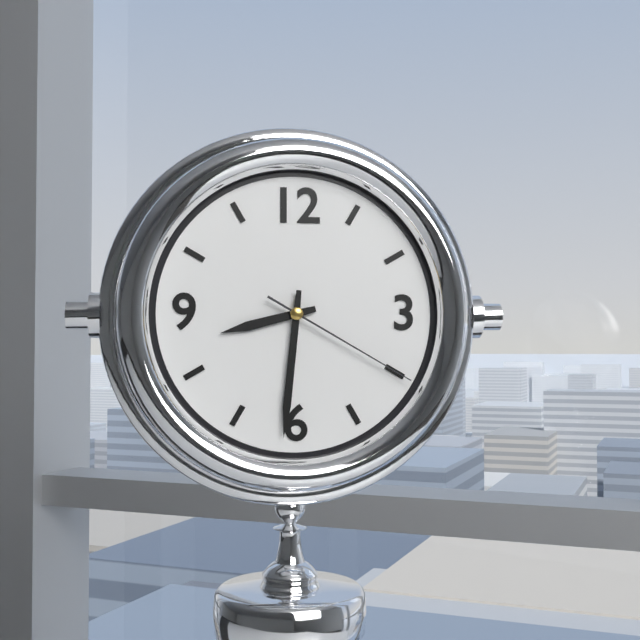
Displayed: 8 h 31 min 20 s
